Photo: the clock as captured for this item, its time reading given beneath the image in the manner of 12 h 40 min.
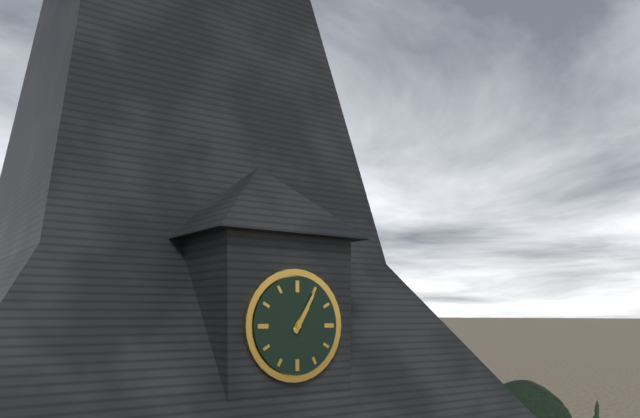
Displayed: 1 h 05 min
